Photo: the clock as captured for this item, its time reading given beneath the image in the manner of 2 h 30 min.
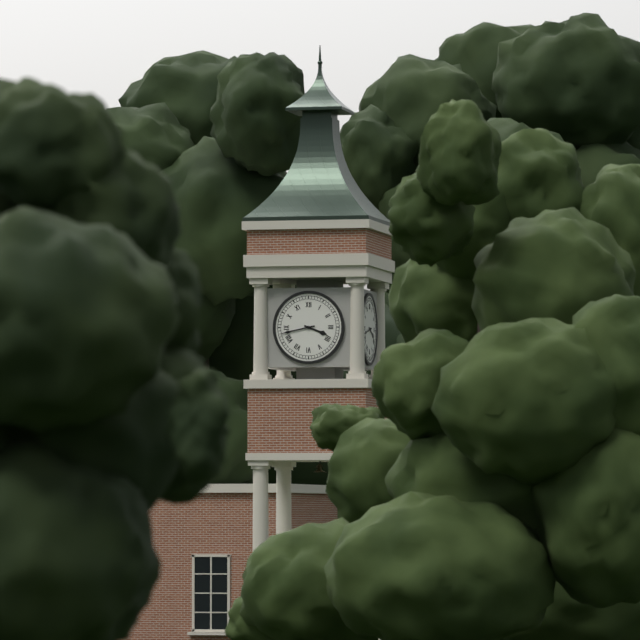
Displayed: 3 h 43 min
